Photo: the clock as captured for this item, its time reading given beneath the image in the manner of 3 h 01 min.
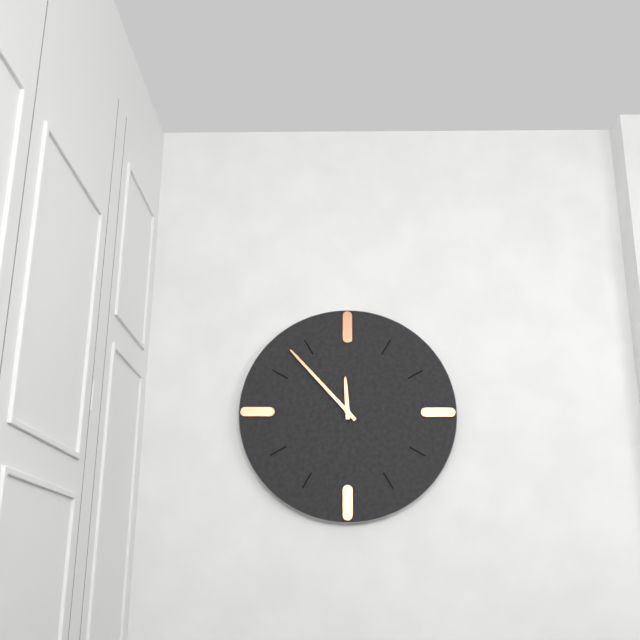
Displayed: 11 h 53 min
